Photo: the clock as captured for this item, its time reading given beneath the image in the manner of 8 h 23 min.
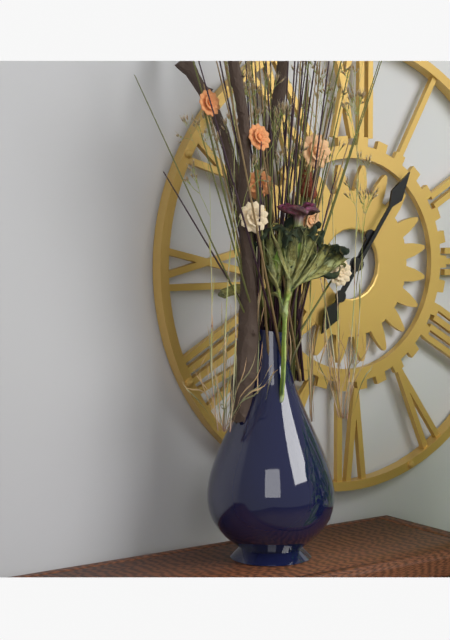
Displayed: 7 h 06 min
